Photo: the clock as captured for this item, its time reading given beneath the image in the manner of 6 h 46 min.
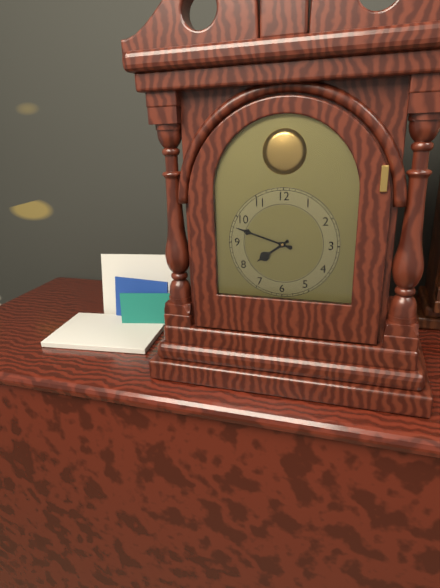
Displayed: 7 h 48 min
